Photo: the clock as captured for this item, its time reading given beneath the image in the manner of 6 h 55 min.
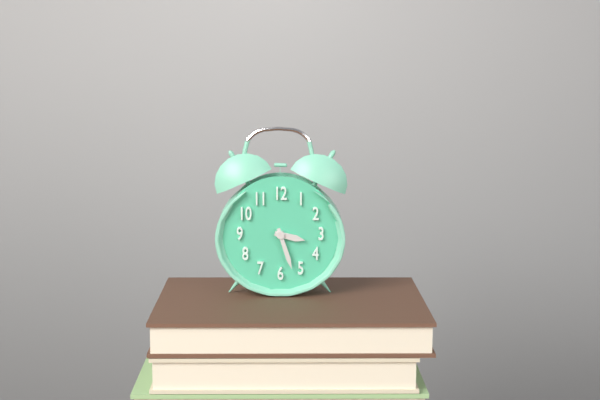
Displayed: 3 h 27 min
